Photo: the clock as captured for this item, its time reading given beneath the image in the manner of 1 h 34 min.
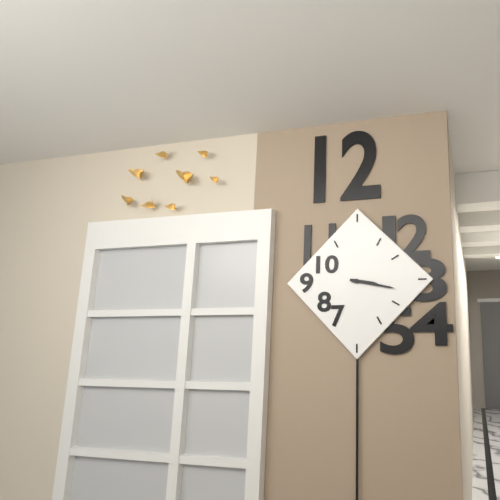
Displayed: 3 h 17 min
